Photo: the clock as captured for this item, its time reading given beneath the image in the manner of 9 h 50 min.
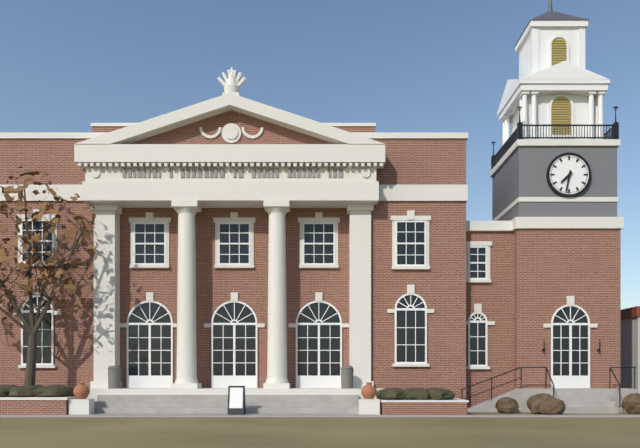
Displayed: 7 h 32 min
